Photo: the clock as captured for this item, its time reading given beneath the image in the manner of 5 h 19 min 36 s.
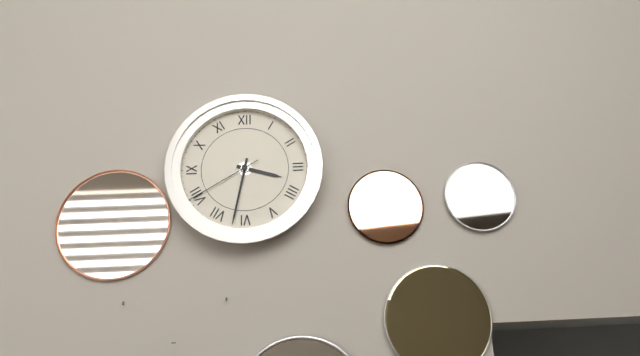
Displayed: 3 h 32 min 40 s
